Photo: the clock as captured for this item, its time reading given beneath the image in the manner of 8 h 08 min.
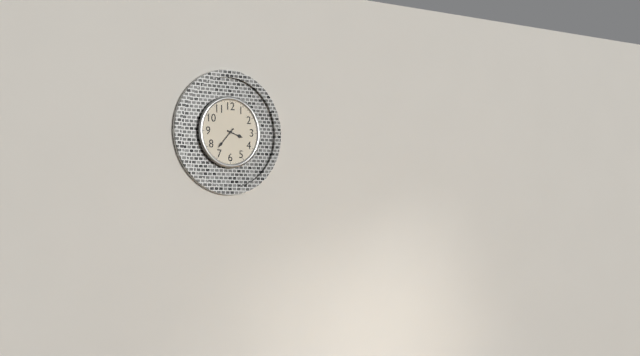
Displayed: 3 h 37 min
